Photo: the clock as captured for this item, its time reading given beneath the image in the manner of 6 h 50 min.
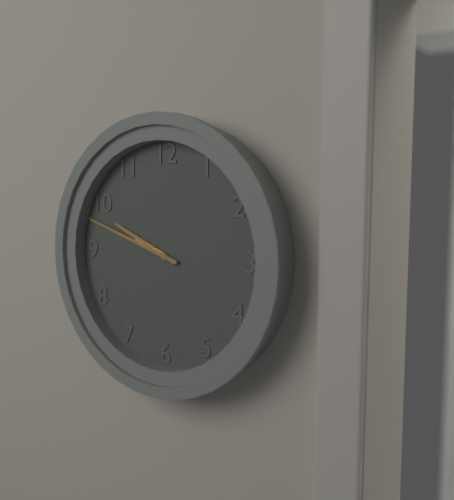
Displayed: 9 h 48 min
